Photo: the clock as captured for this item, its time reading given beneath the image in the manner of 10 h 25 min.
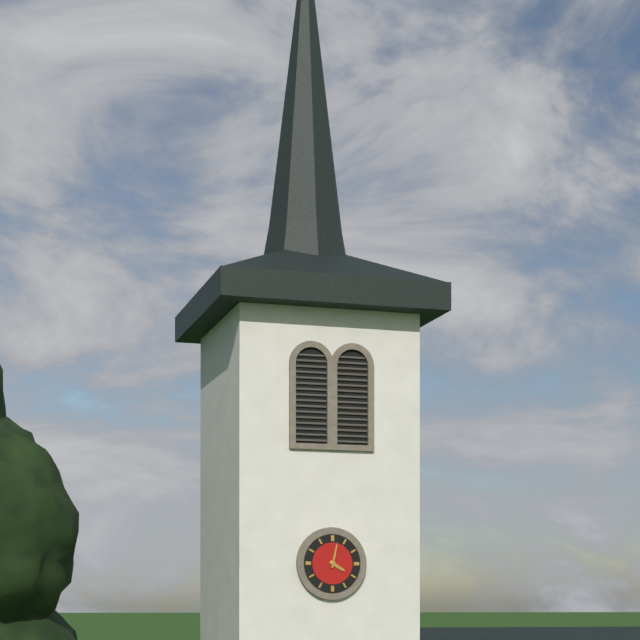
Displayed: 4 h 02 min
